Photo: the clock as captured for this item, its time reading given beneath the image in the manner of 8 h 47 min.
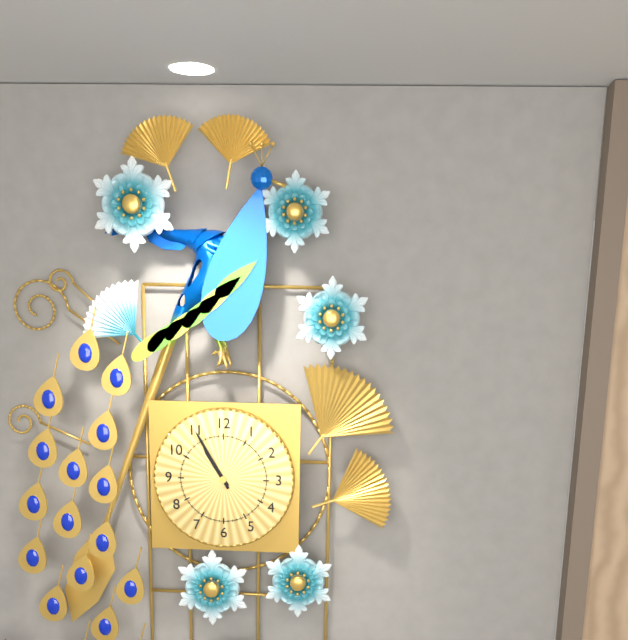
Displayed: 10 h 55 min
